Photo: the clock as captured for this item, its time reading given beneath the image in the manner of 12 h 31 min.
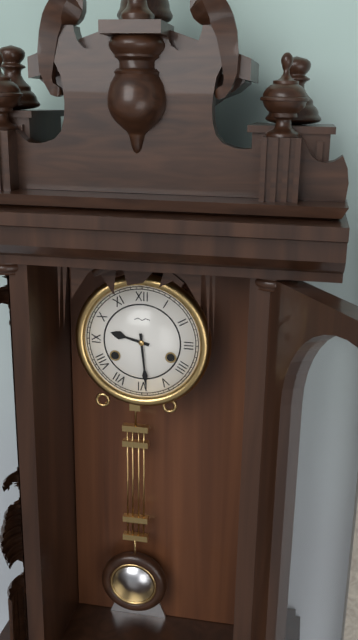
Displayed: 9 h 29 min
